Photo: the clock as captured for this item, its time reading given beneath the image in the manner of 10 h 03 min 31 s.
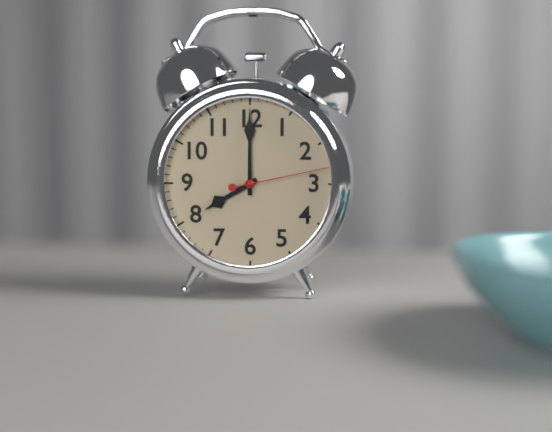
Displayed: 8 h 00 min 13 s
